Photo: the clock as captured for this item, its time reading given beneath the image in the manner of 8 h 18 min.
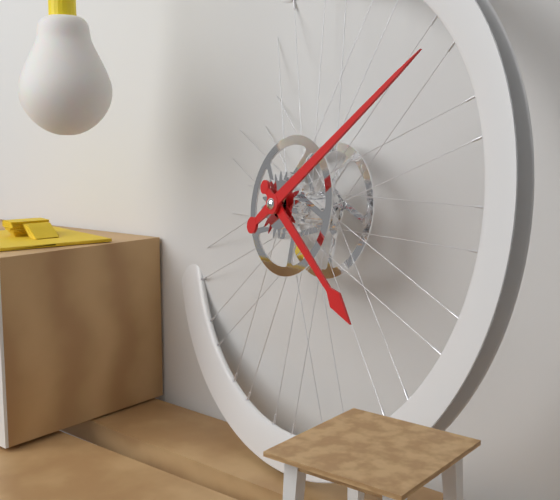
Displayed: 4 h 09 min
